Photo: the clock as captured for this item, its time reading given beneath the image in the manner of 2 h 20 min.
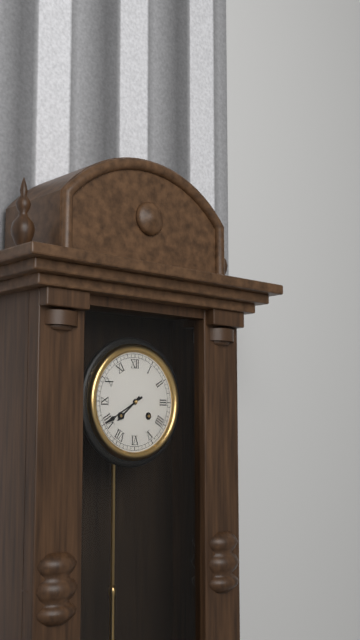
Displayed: 7 h 40 min
